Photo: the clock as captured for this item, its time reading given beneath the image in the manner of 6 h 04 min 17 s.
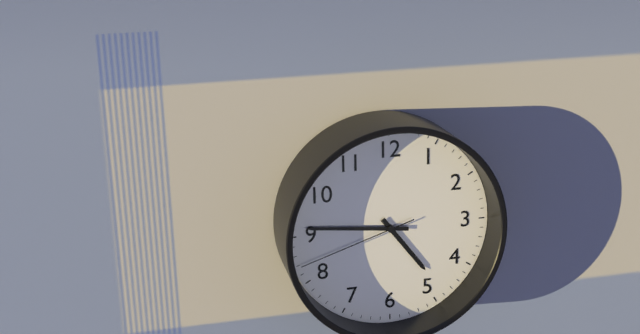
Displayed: 4 h 46 min 42 s
